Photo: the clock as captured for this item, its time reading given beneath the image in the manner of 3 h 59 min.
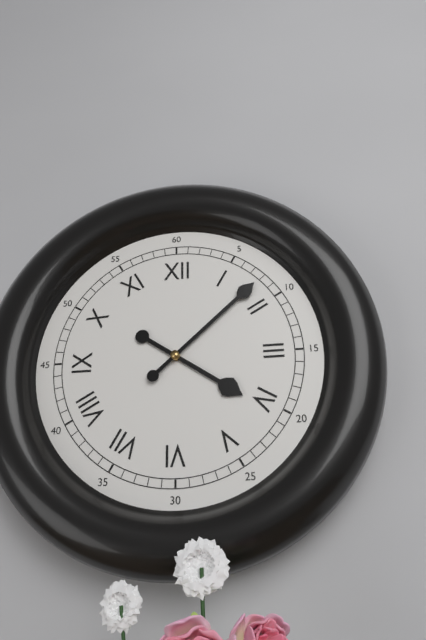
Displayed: 4 h 08 min
